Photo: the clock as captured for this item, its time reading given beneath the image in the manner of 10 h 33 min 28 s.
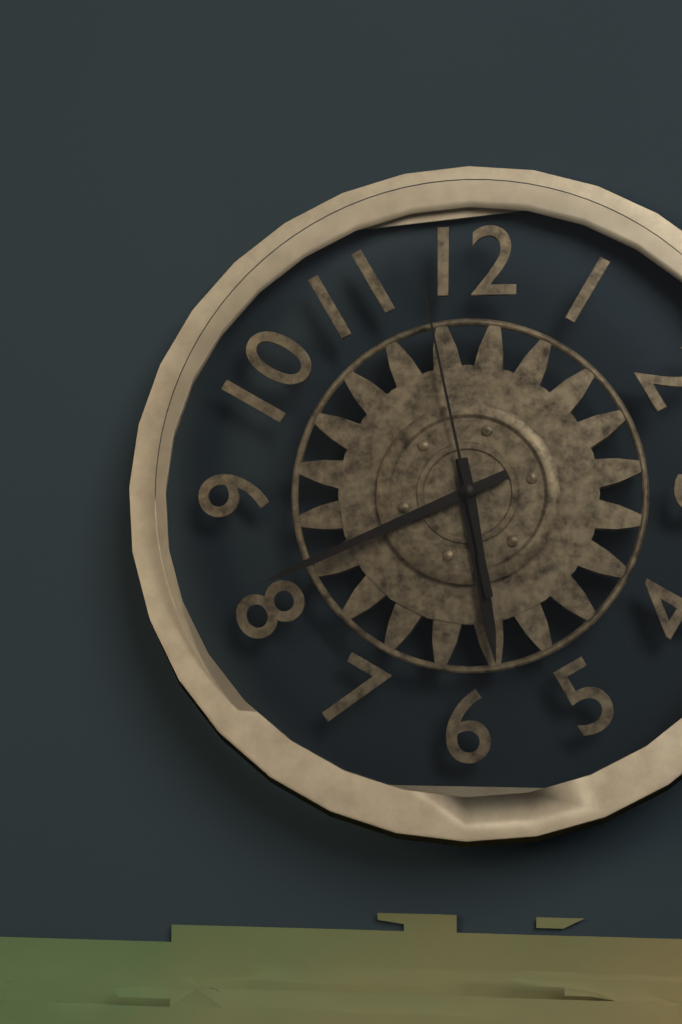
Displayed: 5 h 41 min 58 s
